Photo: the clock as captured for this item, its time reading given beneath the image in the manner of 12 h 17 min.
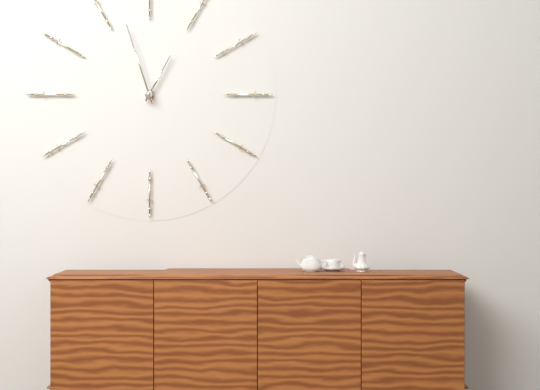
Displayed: 12 h 57 min
